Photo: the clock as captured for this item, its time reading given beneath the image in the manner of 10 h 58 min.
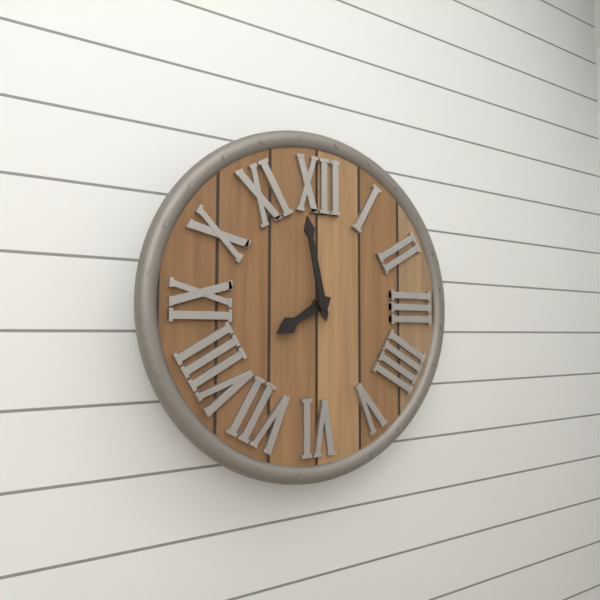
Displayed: 7 h 58 min
